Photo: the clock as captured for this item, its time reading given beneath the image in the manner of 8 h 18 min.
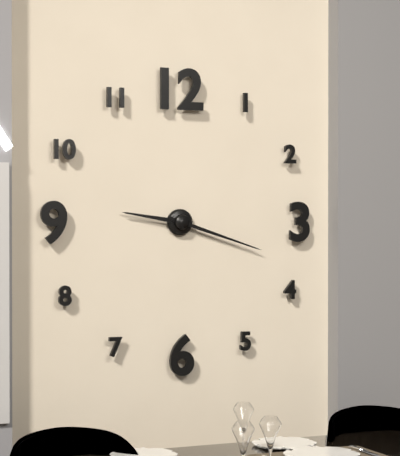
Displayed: 9 h 18 min
